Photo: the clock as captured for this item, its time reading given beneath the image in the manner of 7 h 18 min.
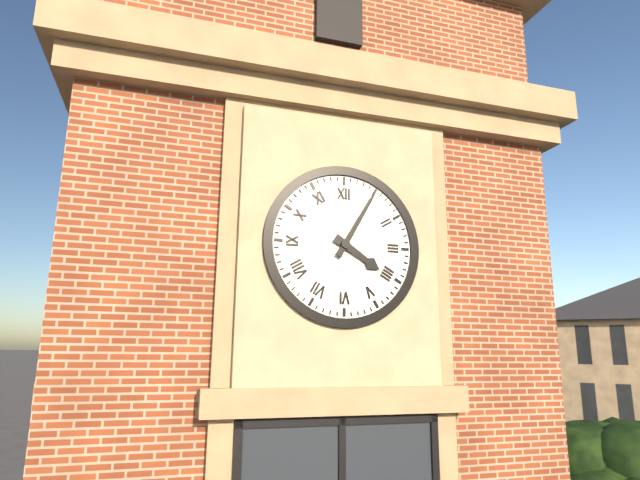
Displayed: 4 h 05 min
